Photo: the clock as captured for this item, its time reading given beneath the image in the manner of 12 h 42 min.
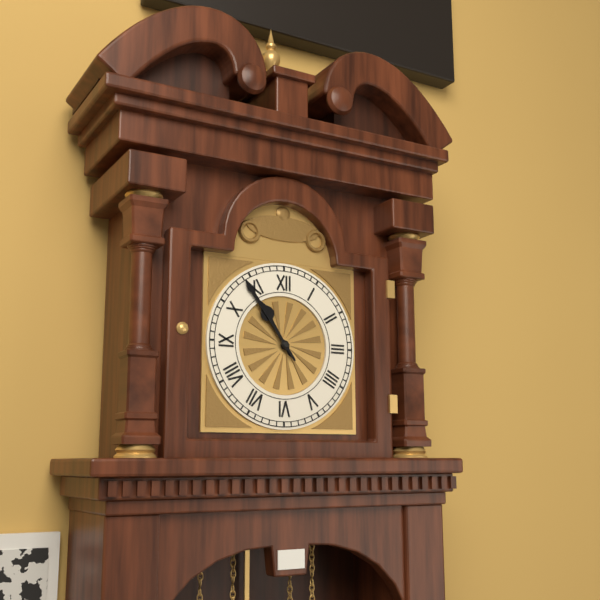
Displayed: 10 h 54 min
